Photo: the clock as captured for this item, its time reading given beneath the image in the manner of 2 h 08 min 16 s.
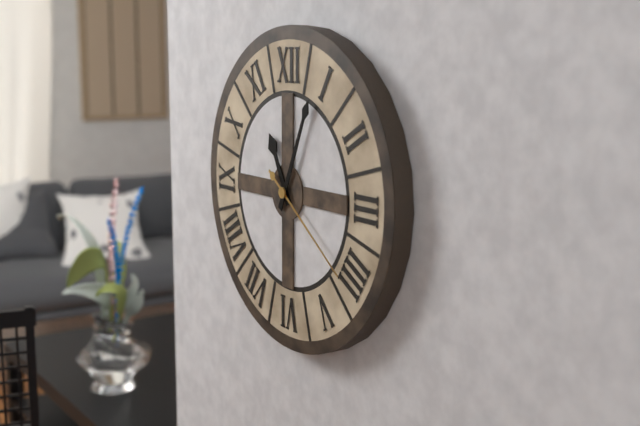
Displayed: 11 h 04 min 21 s
